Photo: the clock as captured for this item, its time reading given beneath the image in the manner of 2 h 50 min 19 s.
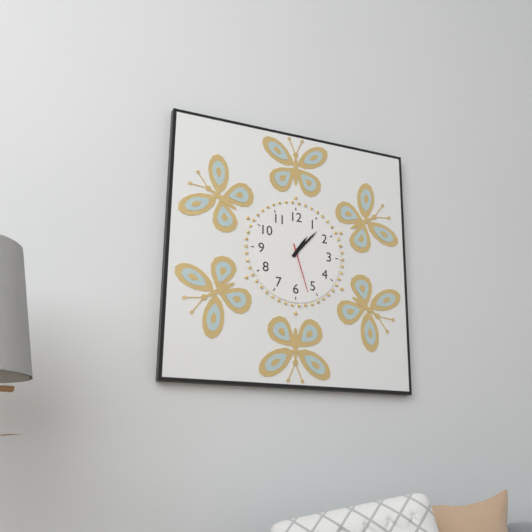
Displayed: 1 h 07 min 27 s
